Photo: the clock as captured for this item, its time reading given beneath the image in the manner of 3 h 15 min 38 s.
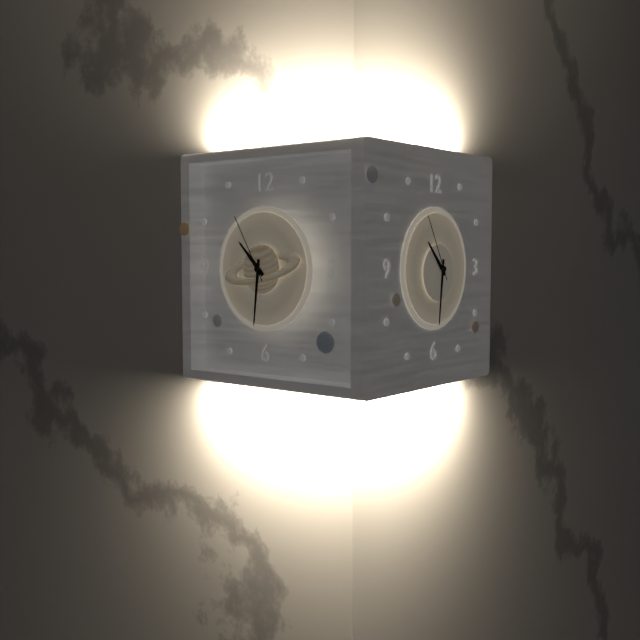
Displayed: 10 h 31 min 55 s
